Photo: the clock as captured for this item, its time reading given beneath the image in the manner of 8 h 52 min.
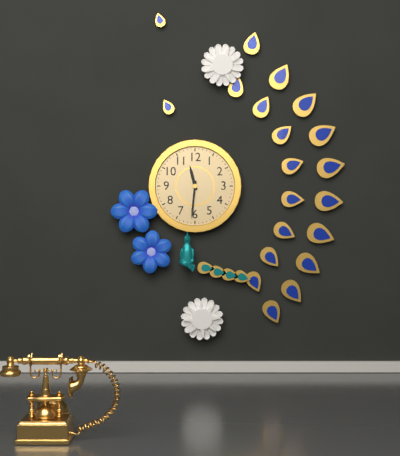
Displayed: 11 h 31 min
